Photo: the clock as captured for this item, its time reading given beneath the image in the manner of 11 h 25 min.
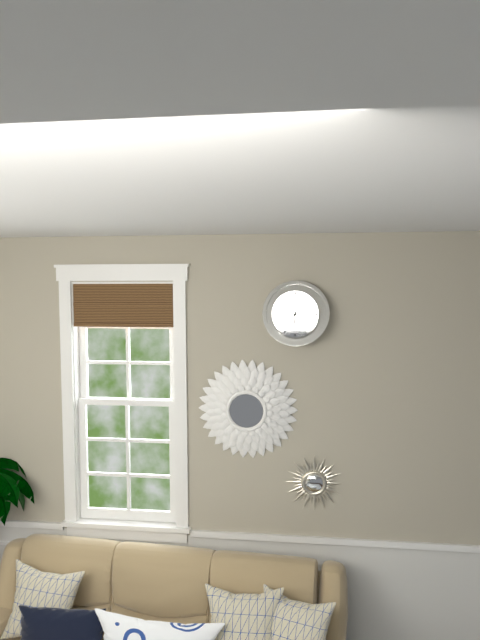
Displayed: 6 h 09 min
